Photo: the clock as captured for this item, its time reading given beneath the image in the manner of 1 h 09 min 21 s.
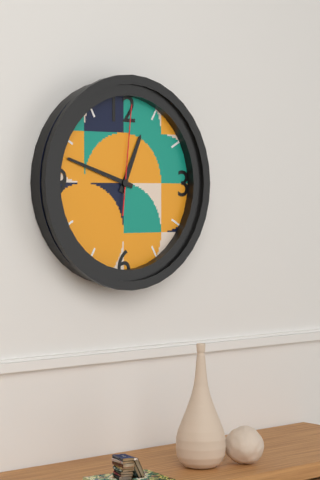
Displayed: 12 h 48 min 01 s
